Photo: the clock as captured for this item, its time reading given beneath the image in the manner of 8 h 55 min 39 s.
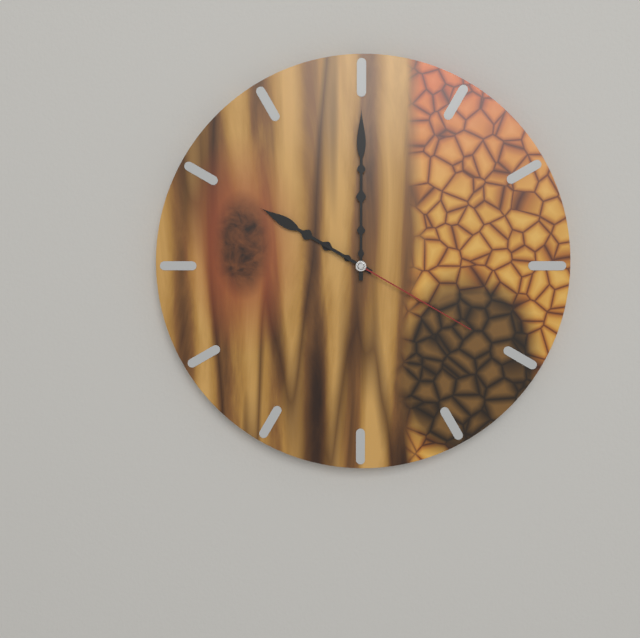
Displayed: 10 h 00 min 20 s
